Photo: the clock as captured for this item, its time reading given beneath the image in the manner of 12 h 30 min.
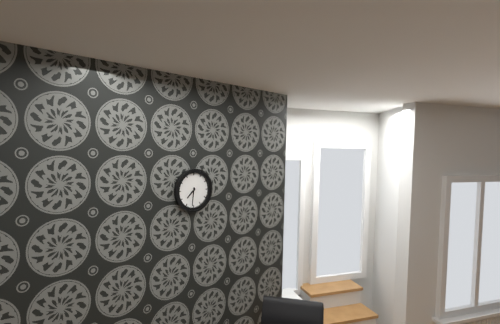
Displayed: 7 h 31 min
